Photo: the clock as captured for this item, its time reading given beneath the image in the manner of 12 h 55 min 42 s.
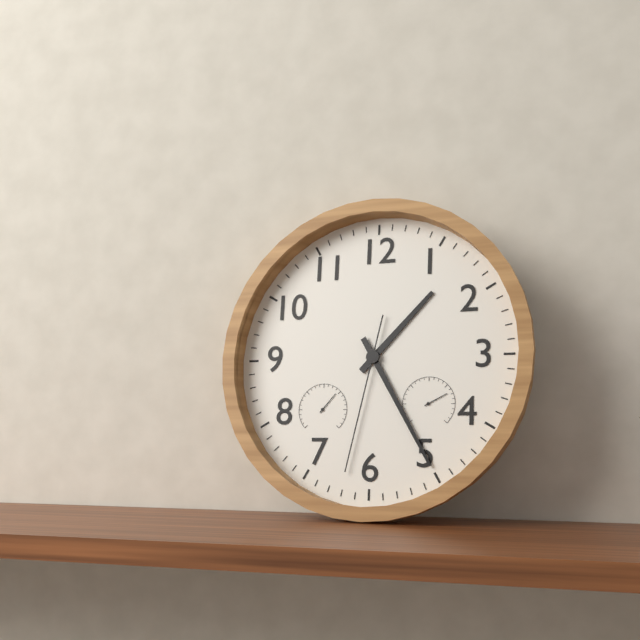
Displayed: 1 h 25 min 32 s
